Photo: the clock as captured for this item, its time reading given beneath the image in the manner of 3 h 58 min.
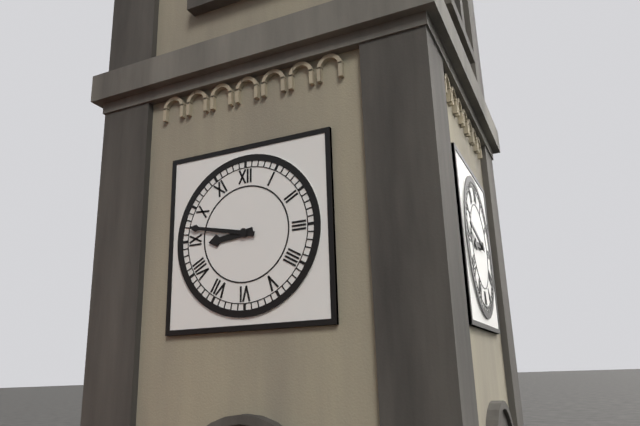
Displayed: 8 h 47 min
